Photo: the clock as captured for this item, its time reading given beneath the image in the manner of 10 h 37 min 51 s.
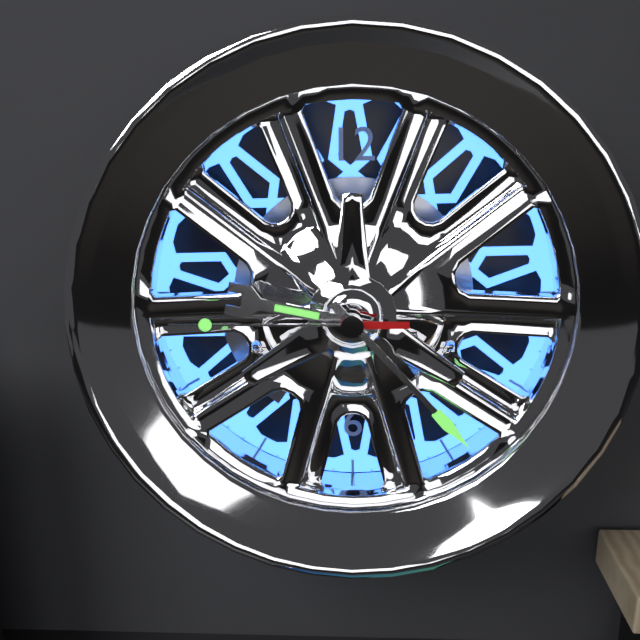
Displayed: 9 h 23 min 45 s
